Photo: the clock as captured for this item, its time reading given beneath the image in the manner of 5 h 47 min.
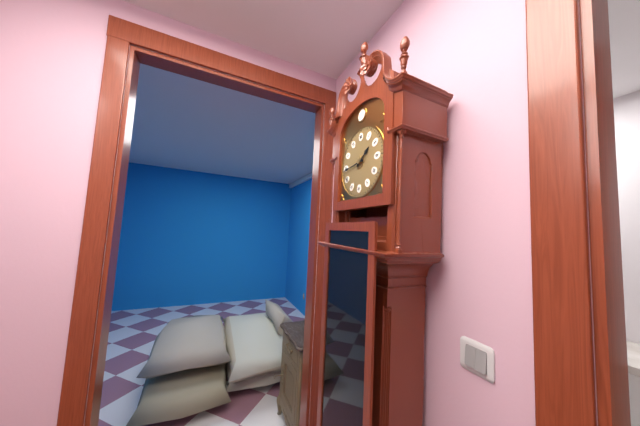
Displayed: 1 h 44 min
